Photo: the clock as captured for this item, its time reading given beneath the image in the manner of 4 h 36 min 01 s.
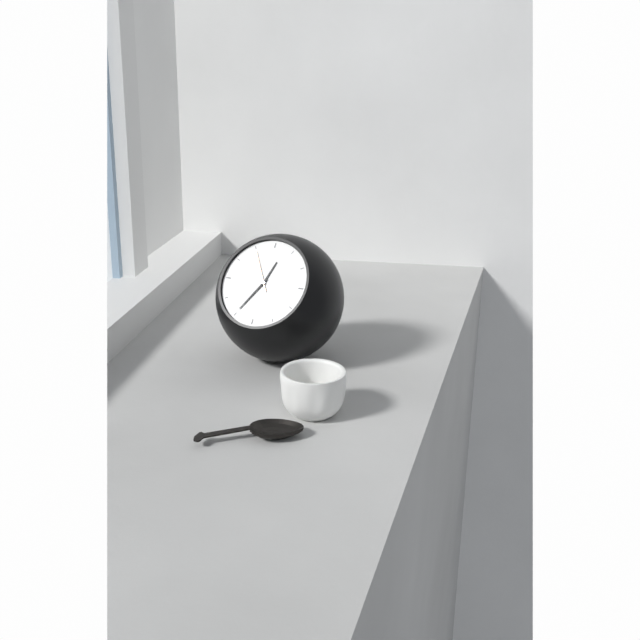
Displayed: 12 h 35 min 55 s
